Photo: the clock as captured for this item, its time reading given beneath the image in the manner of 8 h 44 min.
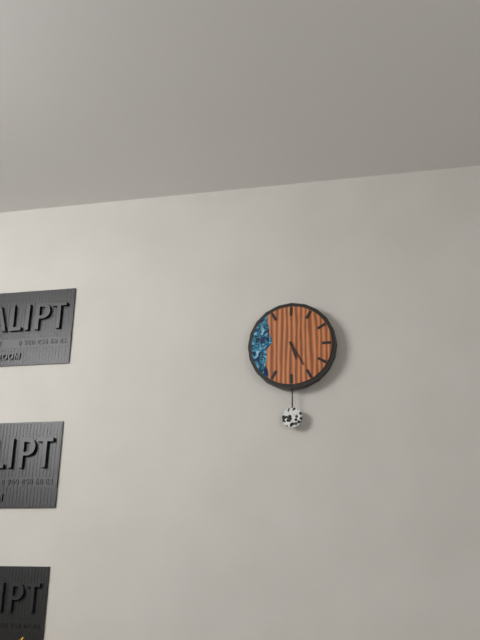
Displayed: 5 h 25 min
